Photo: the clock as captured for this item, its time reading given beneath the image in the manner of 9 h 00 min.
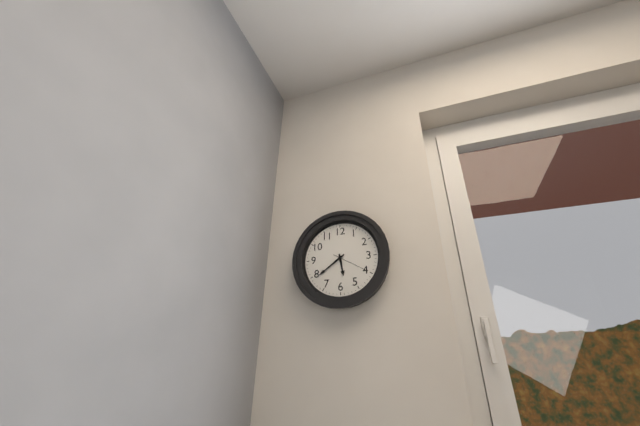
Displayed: 5 h 39 min
